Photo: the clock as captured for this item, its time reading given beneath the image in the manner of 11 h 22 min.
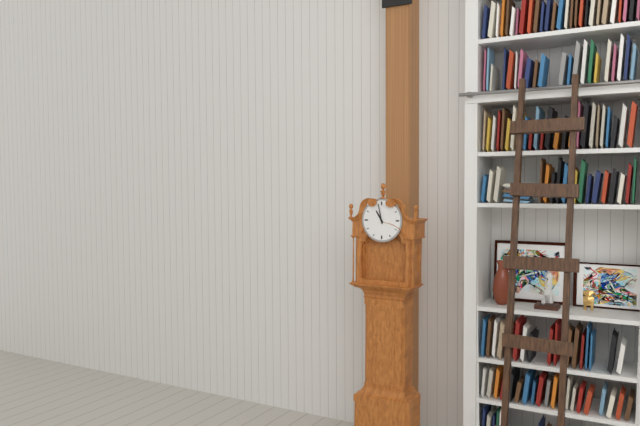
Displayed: 10 h 58 min
